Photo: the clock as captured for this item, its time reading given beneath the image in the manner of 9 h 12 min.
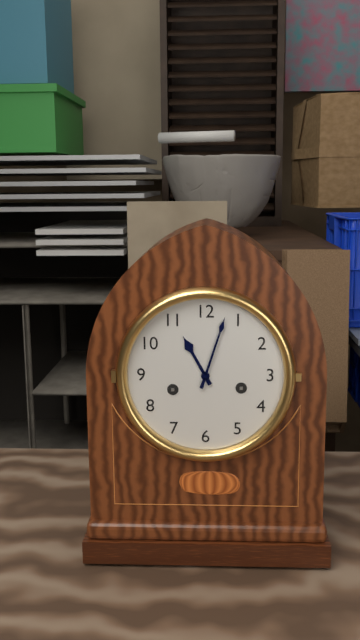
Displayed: 11 h 03 min
